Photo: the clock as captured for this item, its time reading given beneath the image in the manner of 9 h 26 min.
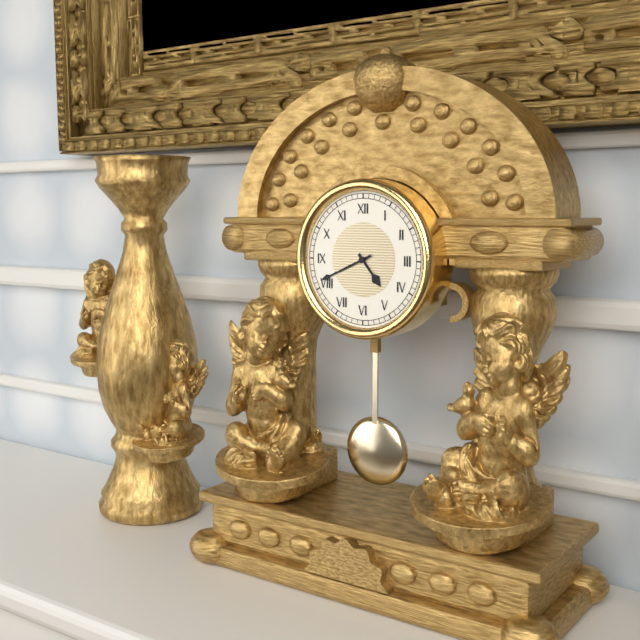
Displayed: 4 h 41 min
